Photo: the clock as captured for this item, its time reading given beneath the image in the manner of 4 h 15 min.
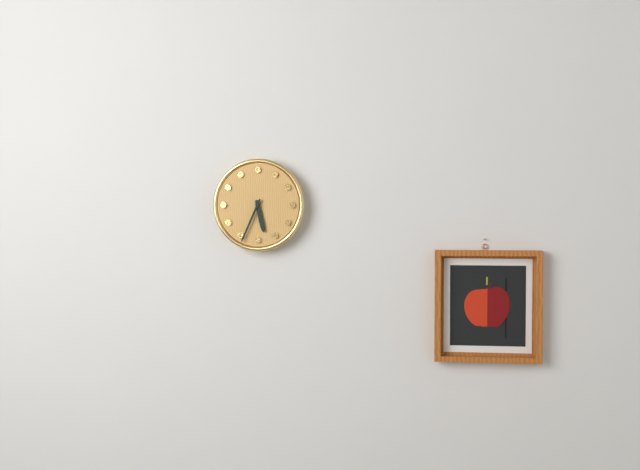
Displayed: 5 h 34 min
